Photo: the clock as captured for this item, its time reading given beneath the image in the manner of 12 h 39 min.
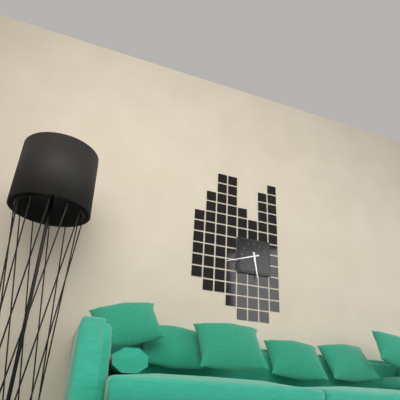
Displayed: 5 h 42 min
